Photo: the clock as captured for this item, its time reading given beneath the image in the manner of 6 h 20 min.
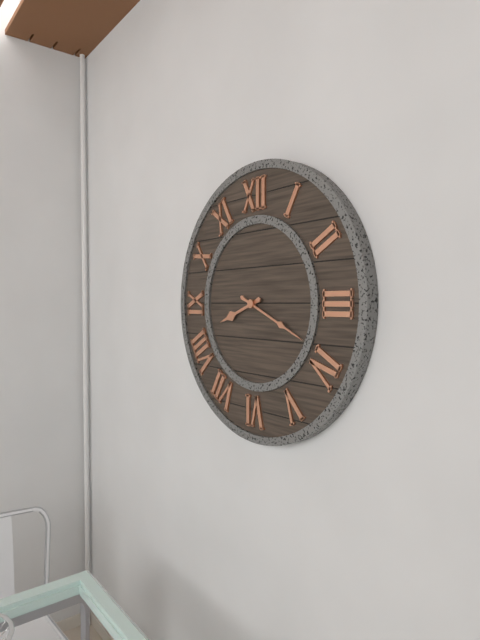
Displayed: 8 h 19 min
